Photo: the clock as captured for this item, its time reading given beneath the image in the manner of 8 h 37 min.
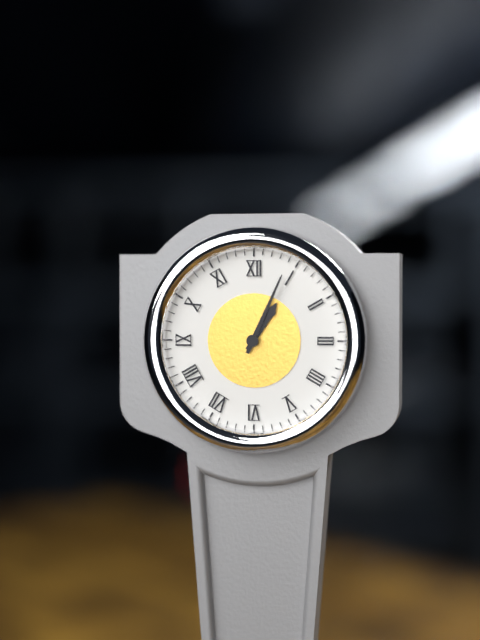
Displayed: 1 h 04 min
